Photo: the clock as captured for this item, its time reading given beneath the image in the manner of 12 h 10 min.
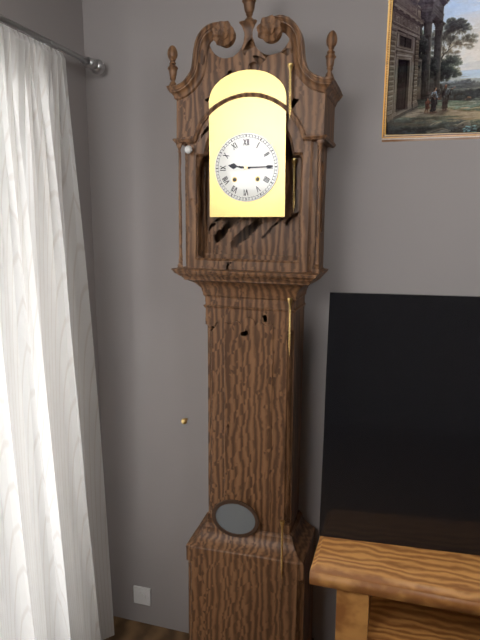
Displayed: 9 h 15 min
